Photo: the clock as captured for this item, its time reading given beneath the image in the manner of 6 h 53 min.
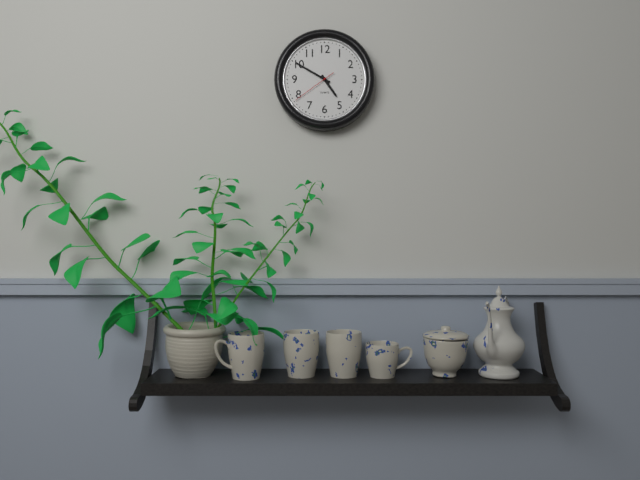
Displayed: 4 h 50 min
